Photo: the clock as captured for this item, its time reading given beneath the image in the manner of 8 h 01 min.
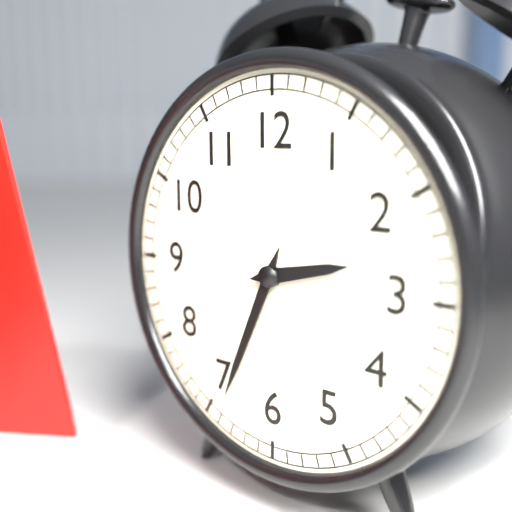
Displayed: 2 h 34 min
